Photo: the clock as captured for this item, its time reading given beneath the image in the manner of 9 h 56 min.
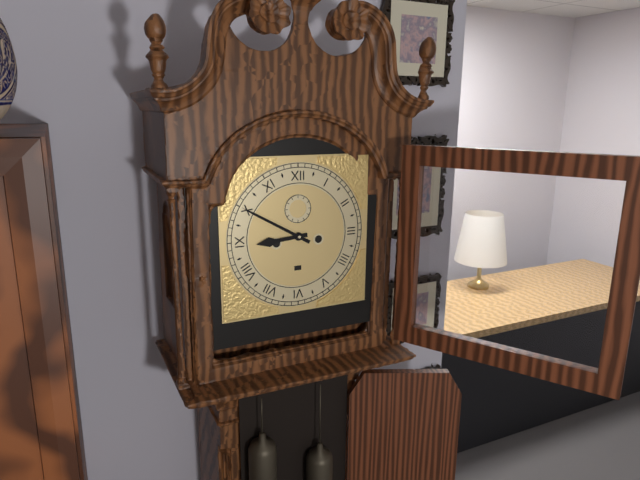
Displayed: 8 h 50 min
